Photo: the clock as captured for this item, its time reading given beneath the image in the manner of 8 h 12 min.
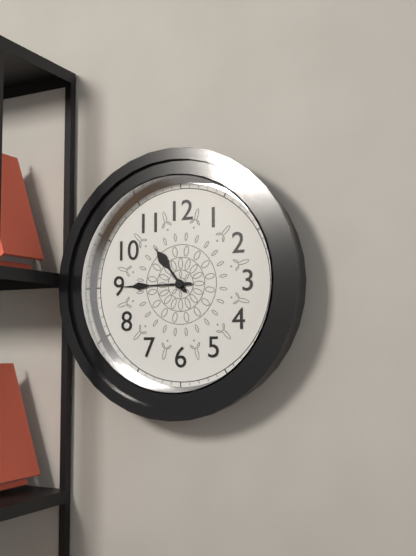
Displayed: 10 h 45 min
